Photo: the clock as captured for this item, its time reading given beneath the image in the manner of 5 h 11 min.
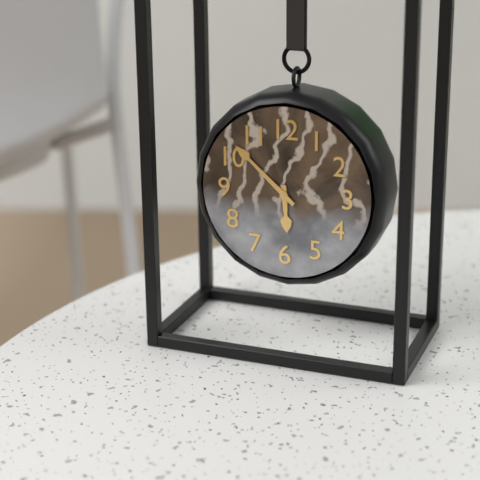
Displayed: 5 h 52 min
